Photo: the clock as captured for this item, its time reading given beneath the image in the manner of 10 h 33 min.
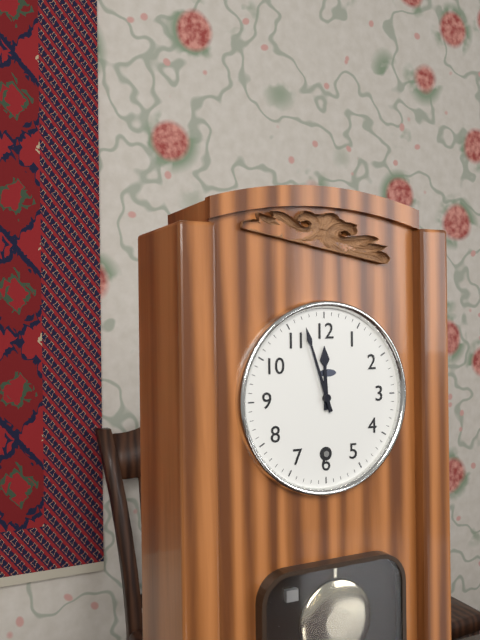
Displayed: 11 h 57 min
